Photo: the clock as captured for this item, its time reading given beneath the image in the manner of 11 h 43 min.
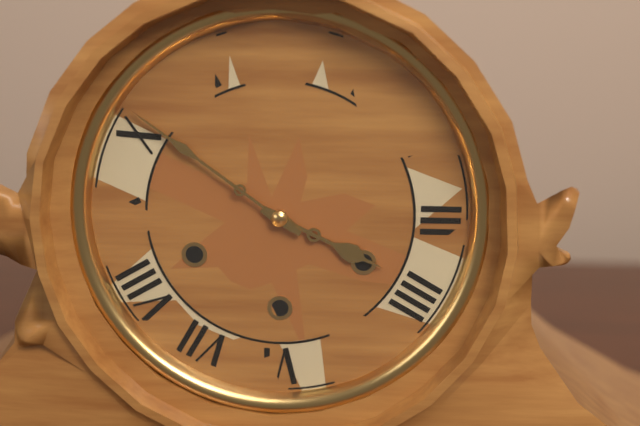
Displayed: 3 h 51 min
